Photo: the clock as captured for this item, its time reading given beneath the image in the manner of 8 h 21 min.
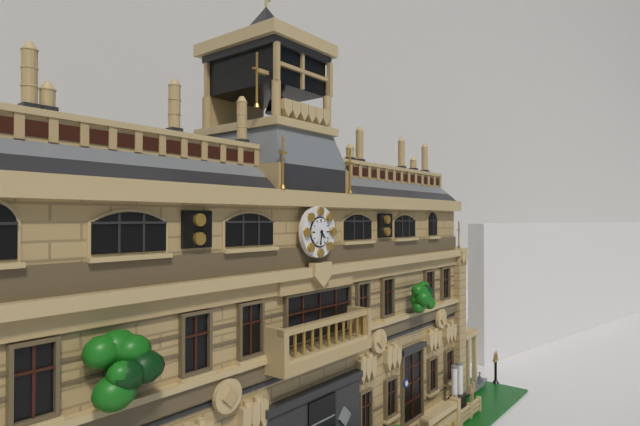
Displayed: 4 h 32 min
